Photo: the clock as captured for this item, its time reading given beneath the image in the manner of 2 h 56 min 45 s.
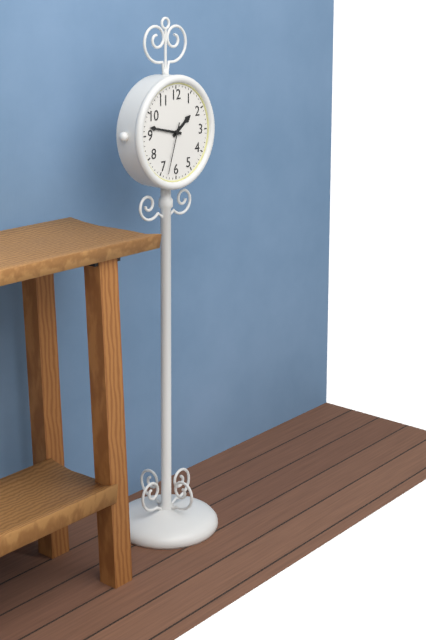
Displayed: 1 h 47 min 33 s
